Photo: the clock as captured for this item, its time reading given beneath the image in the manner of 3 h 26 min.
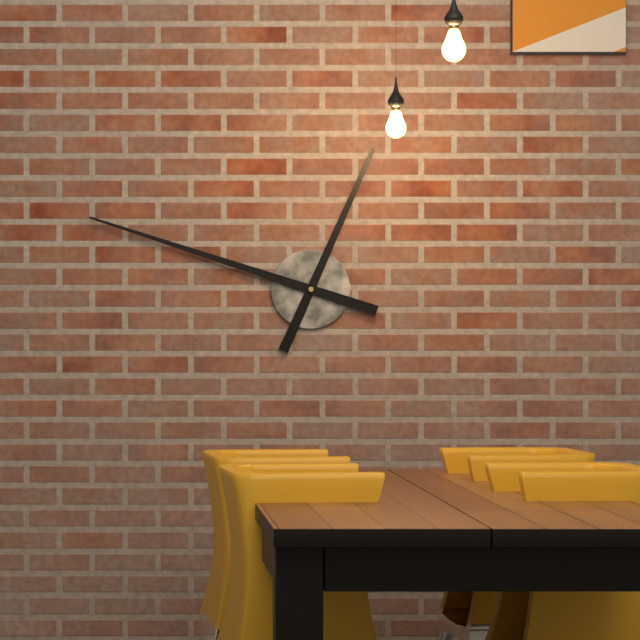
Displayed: 12 h 48 min
